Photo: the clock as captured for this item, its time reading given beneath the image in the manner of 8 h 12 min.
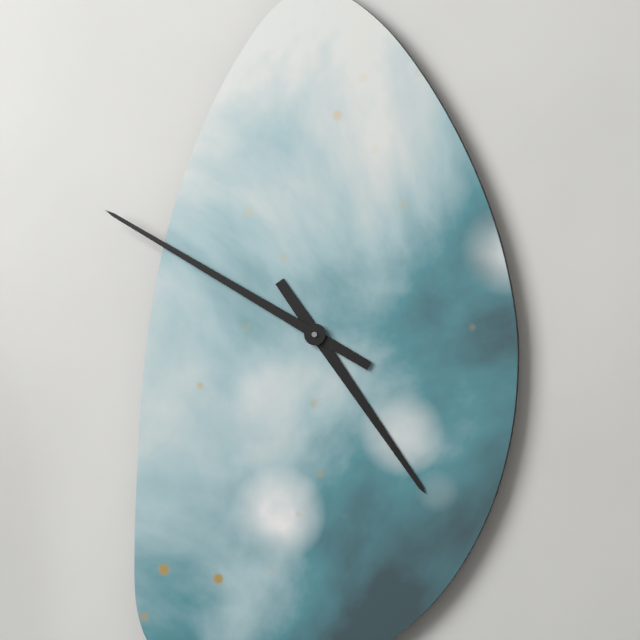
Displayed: 4 h 50 min
